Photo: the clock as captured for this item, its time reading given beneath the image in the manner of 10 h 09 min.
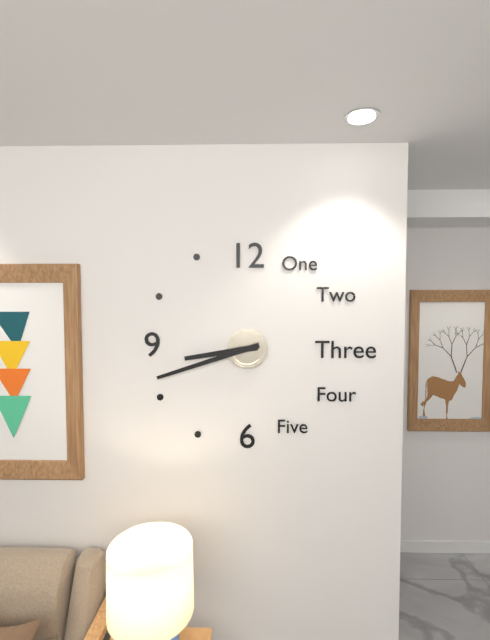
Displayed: 8 h 42 min
